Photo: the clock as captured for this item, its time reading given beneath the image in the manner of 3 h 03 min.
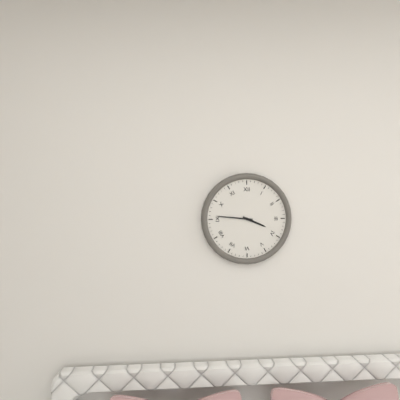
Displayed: 3 h 46 min
